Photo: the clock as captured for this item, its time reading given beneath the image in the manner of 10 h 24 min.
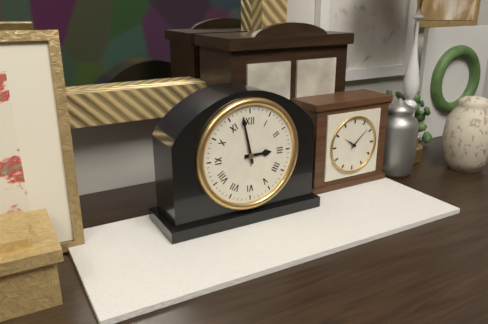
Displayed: 2 h 58 min
